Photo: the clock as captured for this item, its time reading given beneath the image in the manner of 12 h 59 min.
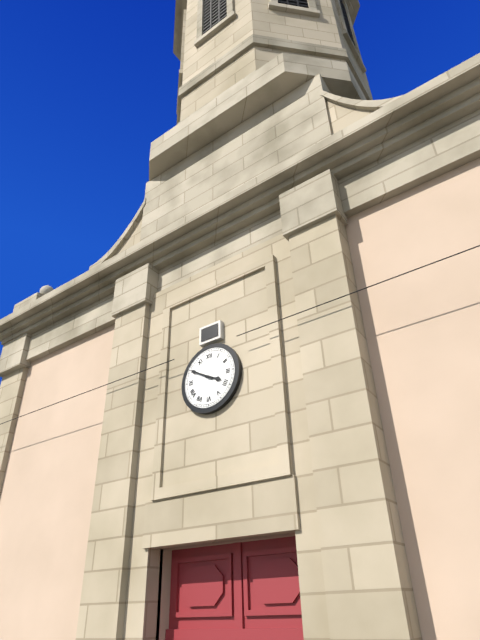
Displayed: 3 h 50 min
